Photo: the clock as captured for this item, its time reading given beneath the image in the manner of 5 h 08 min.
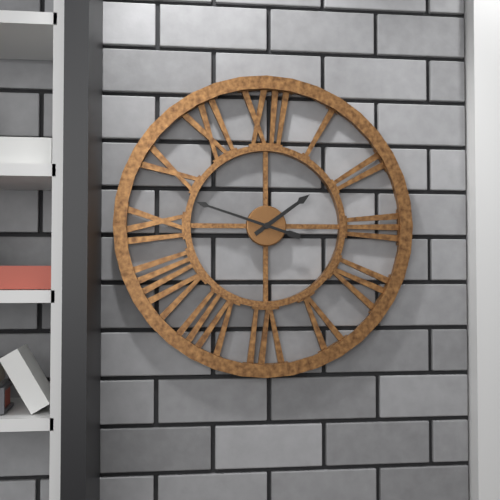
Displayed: 1 h 48 min
